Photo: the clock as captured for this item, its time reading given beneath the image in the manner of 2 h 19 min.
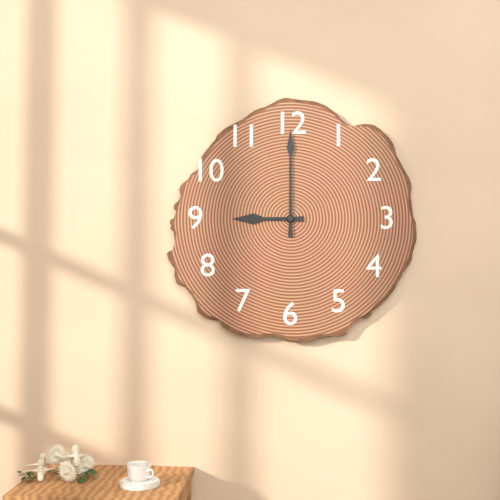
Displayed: 9 h 00 min
